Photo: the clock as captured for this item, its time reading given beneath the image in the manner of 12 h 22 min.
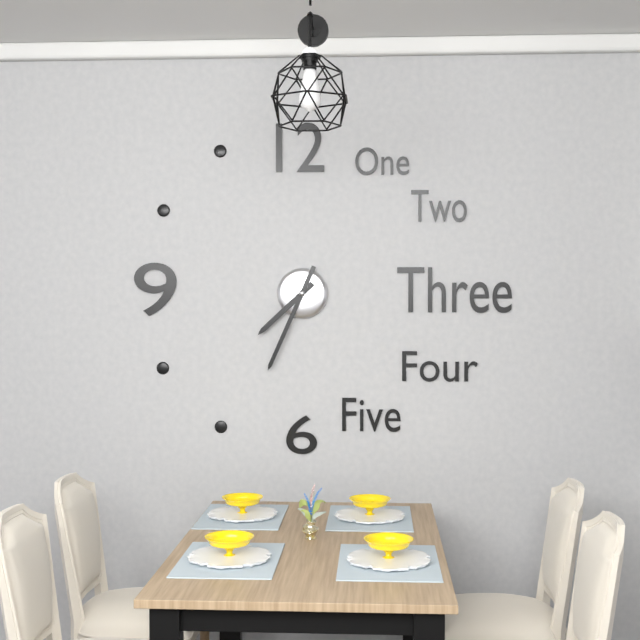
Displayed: 7 h 34 min
